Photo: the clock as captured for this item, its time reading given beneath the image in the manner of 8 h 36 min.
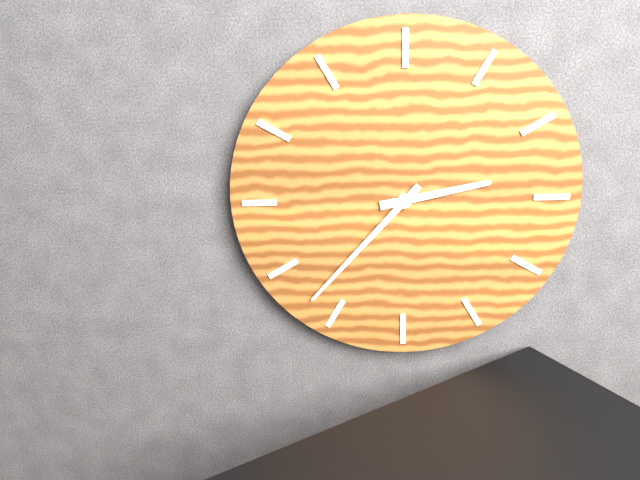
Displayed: 2 h 37 min
